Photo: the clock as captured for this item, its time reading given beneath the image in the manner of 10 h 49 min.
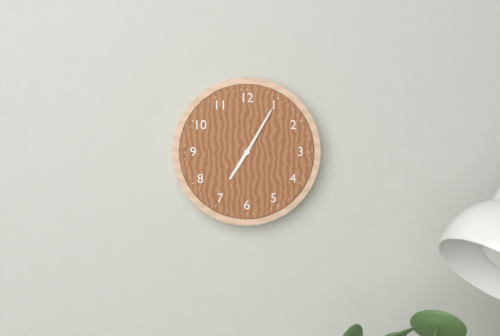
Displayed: 7 h 05 min
